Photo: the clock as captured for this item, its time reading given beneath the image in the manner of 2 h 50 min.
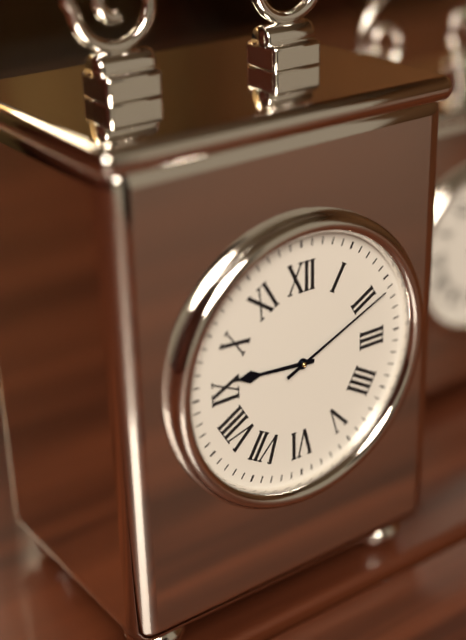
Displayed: 9 h 11 min
